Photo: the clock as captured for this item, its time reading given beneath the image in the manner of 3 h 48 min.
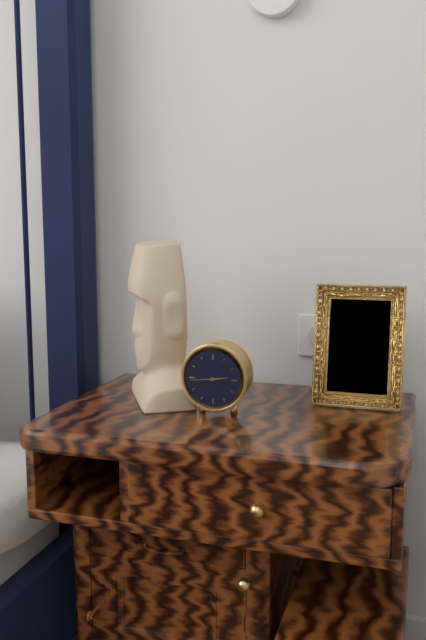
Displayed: 2 h 44 min
